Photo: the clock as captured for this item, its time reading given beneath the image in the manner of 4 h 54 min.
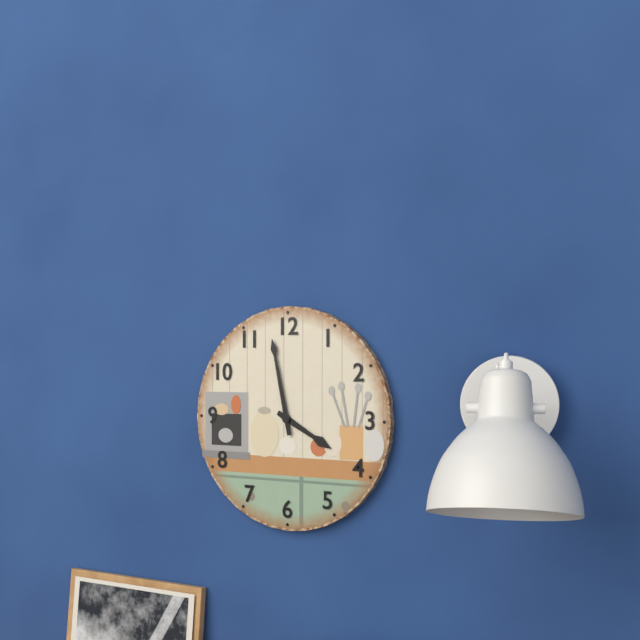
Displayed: 3 h 58 min
